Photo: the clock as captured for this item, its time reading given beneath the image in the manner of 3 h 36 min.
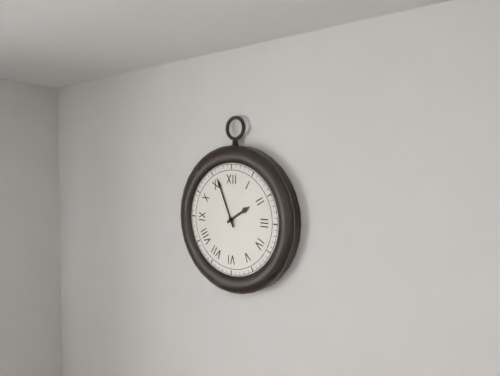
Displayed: 1 h 56 min
